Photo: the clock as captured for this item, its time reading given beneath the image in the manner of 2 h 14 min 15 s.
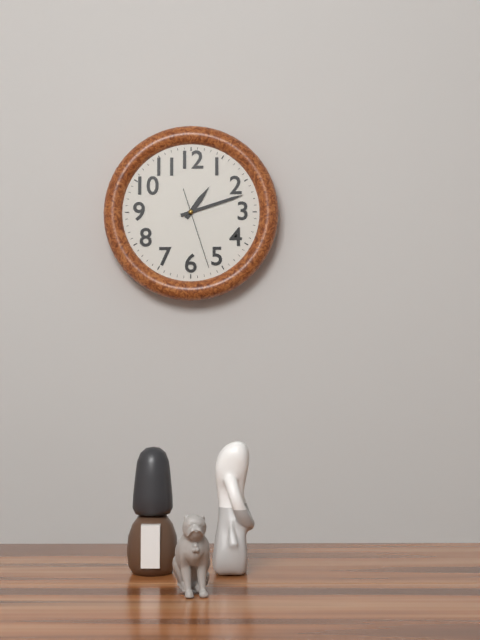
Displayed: 1 h 12 min 27 s
